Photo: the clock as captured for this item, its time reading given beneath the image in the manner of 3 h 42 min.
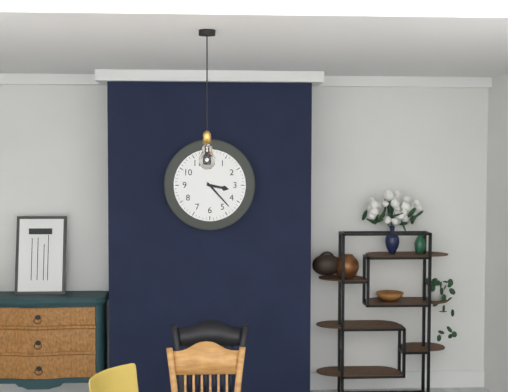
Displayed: 3 h 23 min
